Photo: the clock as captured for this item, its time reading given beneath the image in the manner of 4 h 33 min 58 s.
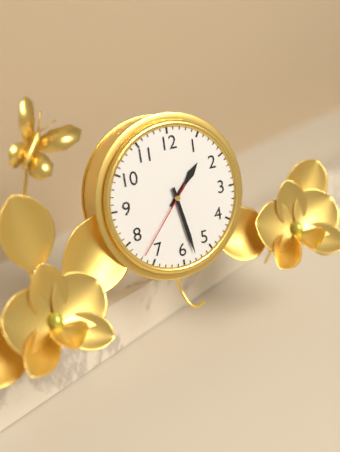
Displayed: 1 h 28 min 37 s
